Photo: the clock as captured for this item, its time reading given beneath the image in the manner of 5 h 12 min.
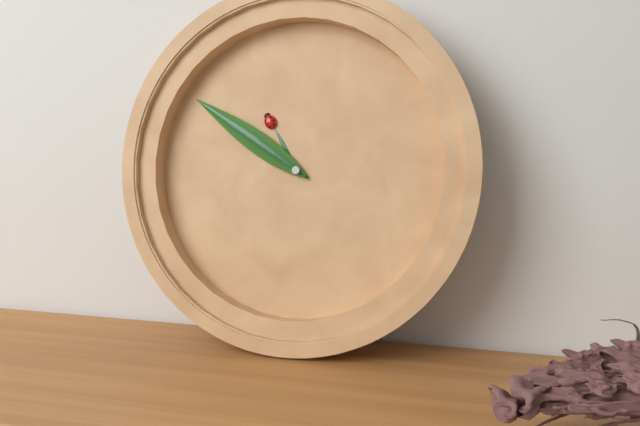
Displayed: 10 h 50 min
